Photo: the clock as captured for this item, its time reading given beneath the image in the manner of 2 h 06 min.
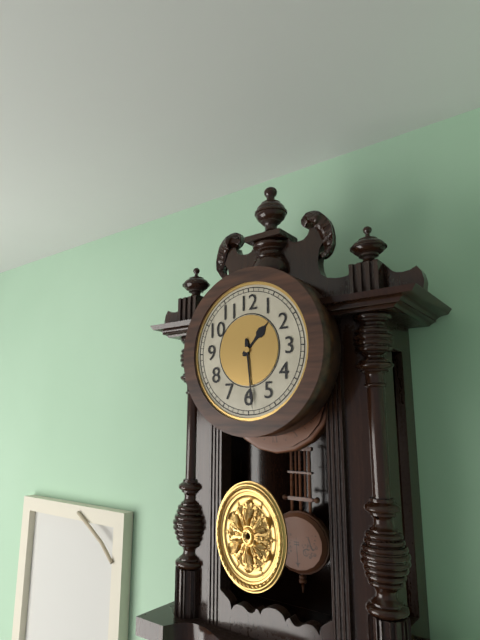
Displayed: 1 h 29 min
